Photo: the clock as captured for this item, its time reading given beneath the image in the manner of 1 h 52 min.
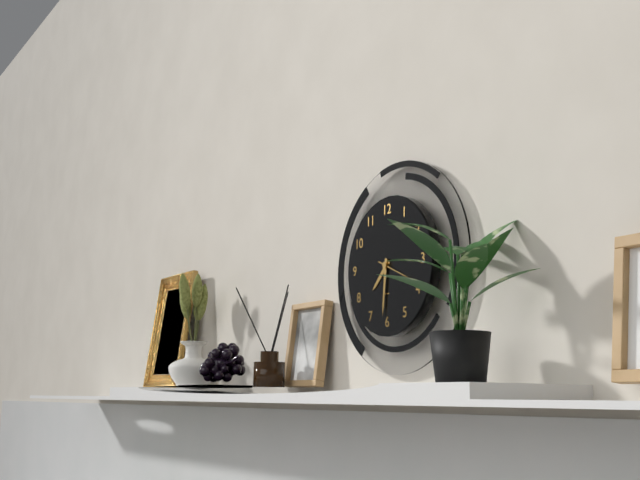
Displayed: 7 h 31 min
